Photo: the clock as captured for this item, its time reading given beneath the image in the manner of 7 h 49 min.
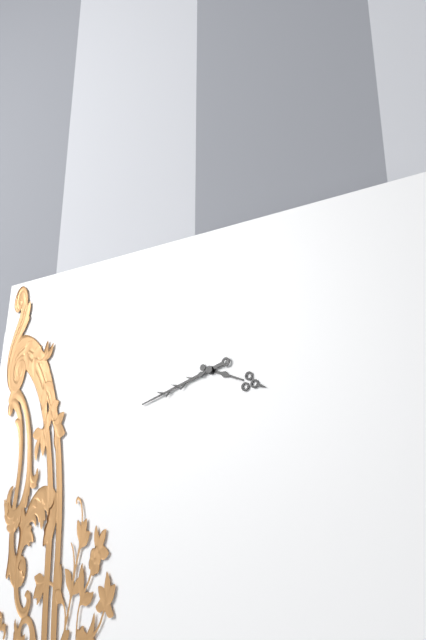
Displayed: 3 h 42 min
